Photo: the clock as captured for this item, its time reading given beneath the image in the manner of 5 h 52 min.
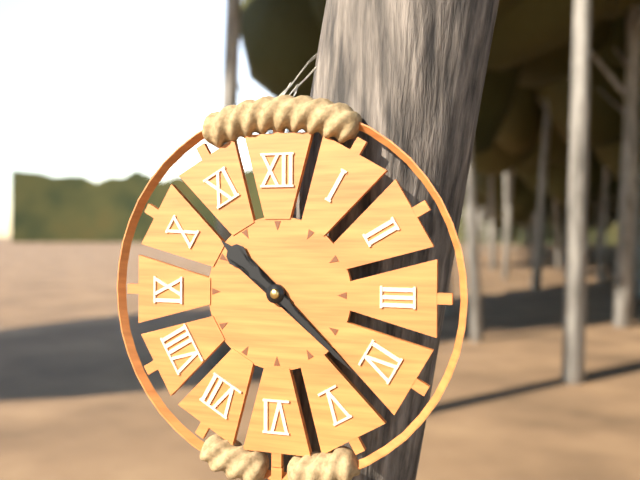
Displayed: 10 h 22 min
